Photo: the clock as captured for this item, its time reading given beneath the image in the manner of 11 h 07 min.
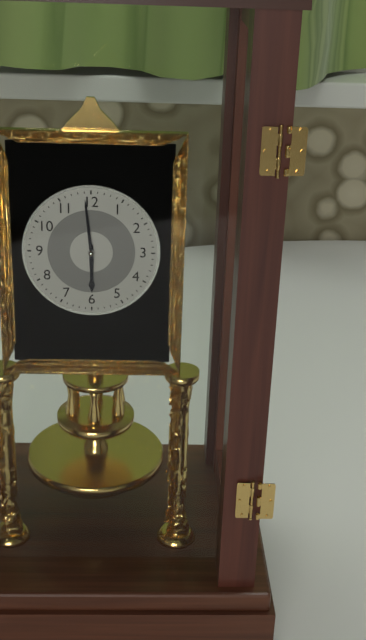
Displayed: 5 h 59 min
